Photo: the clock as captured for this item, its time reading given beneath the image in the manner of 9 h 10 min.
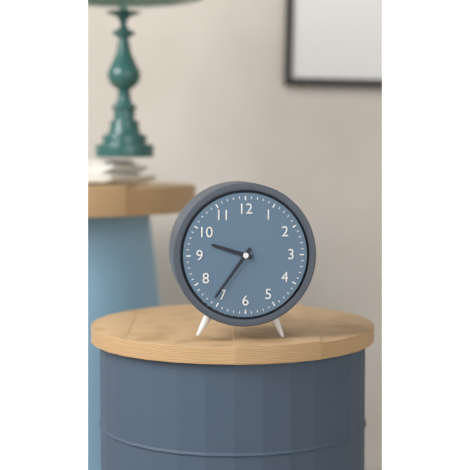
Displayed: 9 h 36 min
